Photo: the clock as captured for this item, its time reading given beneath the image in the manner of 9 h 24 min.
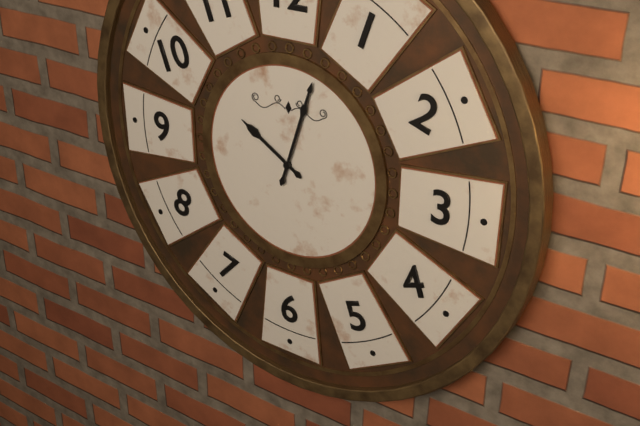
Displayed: 10 h 03 min
